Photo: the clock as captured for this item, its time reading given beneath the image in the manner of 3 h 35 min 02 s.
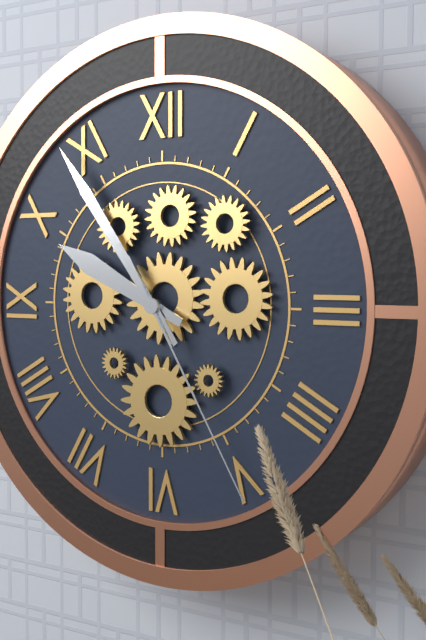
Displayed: 9 h 54 min 25 s
